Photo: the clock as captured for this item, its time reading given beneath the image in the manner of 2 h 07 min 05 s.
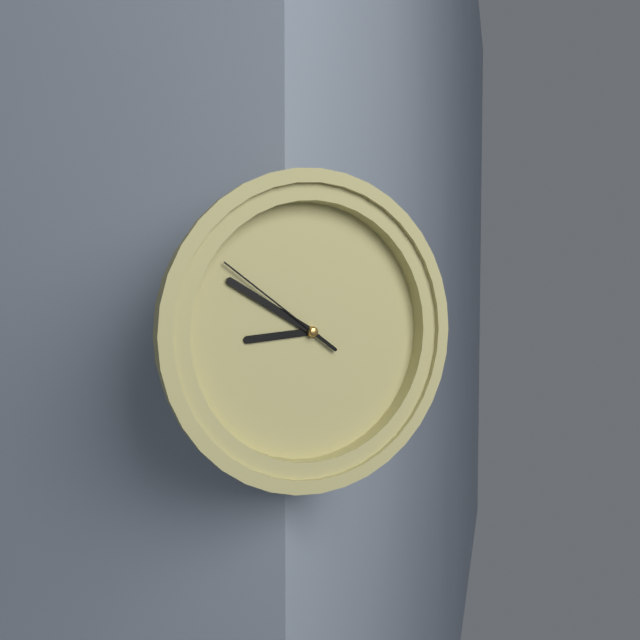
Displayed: 8 h 50 min 51 s
